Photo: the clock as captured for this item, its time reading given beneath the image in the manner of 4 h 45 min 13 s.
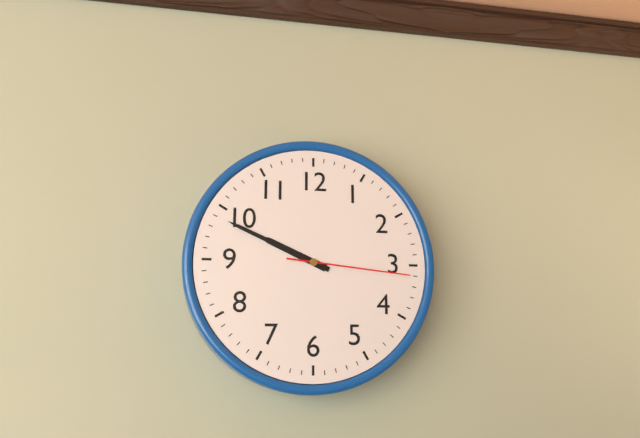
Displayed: 9 h 49 min 16 s
